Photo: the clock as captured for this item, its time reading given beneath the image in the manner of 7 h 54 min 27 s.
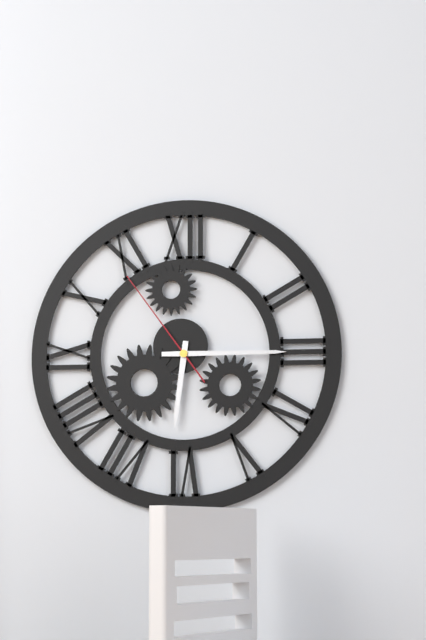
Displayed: 6 h 15 min 54 s
